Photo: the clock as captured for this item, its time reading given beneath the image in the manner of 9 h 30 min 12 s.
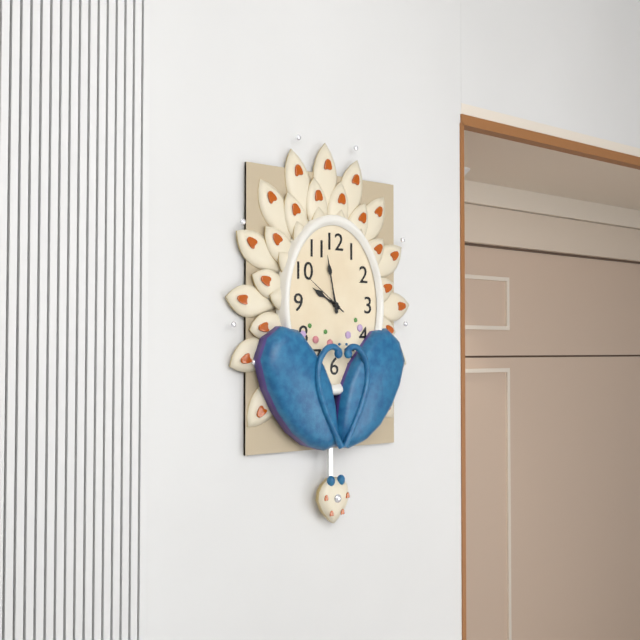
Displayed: 9 h 58 min 51 s
